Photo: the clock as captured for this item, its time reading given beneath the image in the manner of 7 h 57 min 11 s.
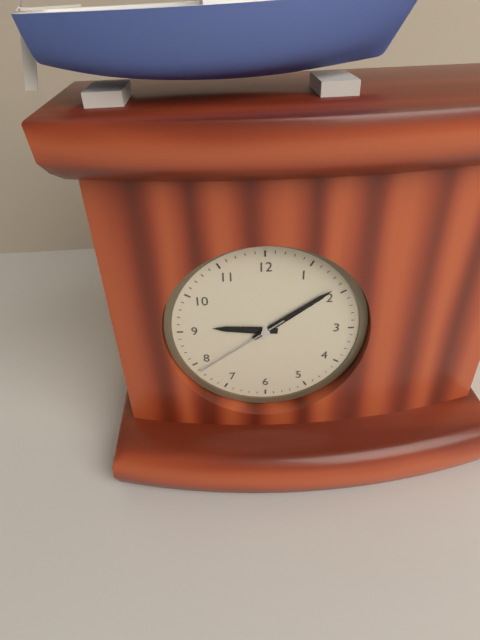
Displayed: 9 h 09 min 39 s
